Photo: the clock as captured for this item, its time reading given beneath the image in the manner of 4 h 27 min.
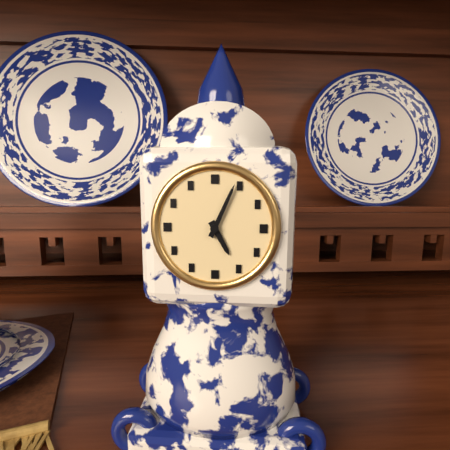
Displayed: 5 h 04 min
